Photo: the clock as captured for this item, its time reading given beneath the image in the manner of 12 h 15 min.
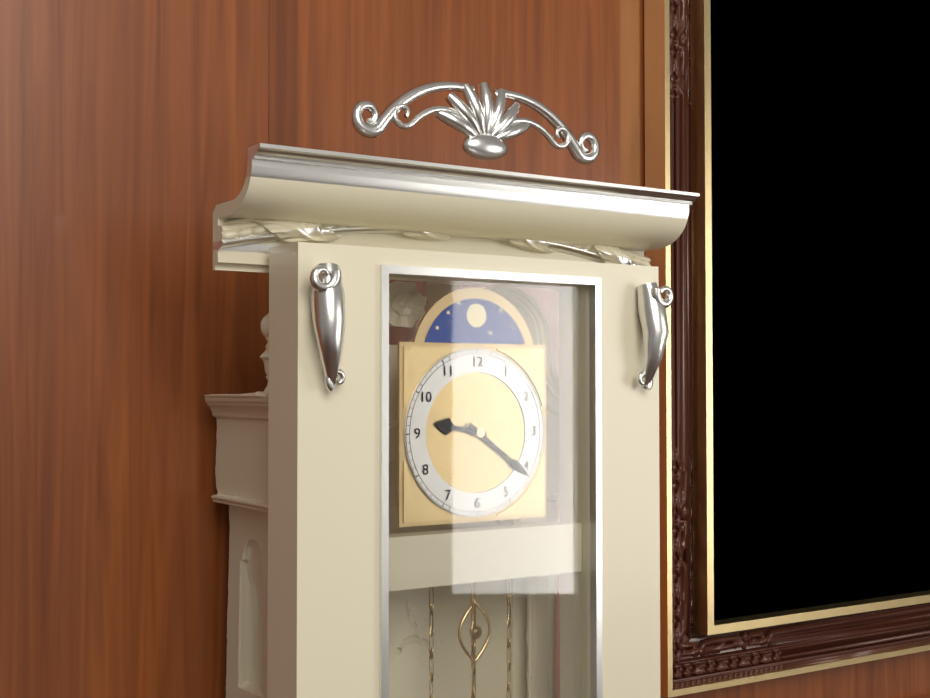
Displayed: 9 h 21 min
